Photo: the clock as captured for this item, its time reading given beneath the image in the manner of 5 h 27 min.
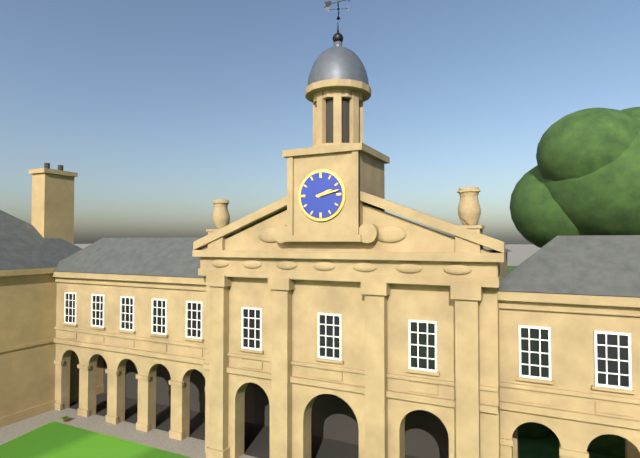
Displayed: 2 h 13 min
